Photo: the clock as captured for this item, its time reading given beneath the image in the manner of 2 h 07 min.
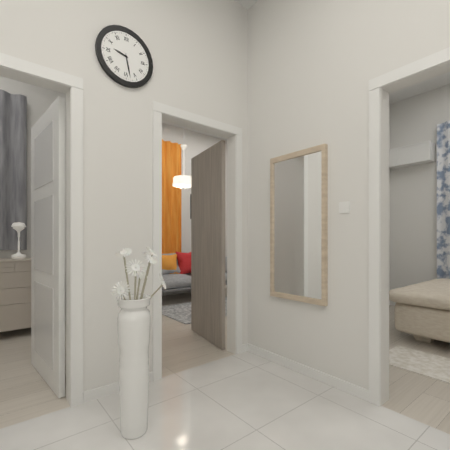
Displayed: 9 h 28 min
